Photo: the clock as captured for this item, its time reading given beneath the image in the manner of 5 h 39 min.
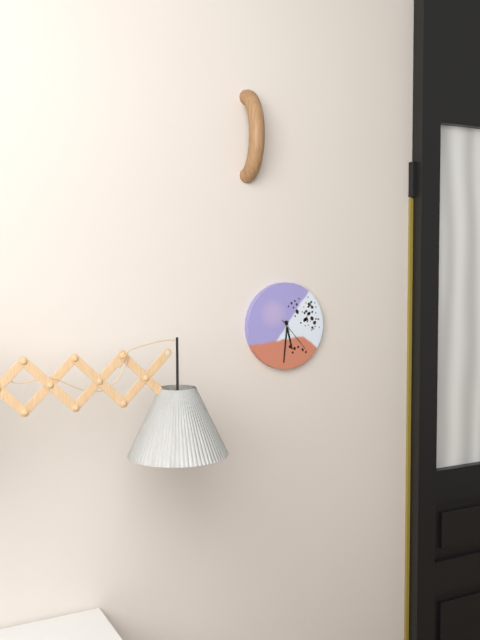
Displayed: 5 h 31 min
